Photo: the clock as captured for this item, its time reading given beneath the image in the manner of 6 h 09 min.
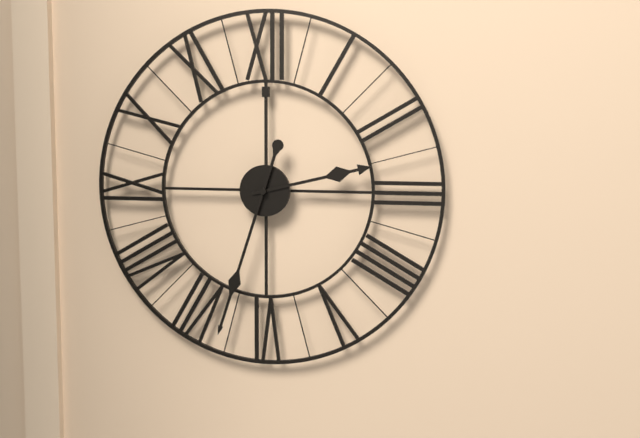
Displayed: 2 h 33 min
